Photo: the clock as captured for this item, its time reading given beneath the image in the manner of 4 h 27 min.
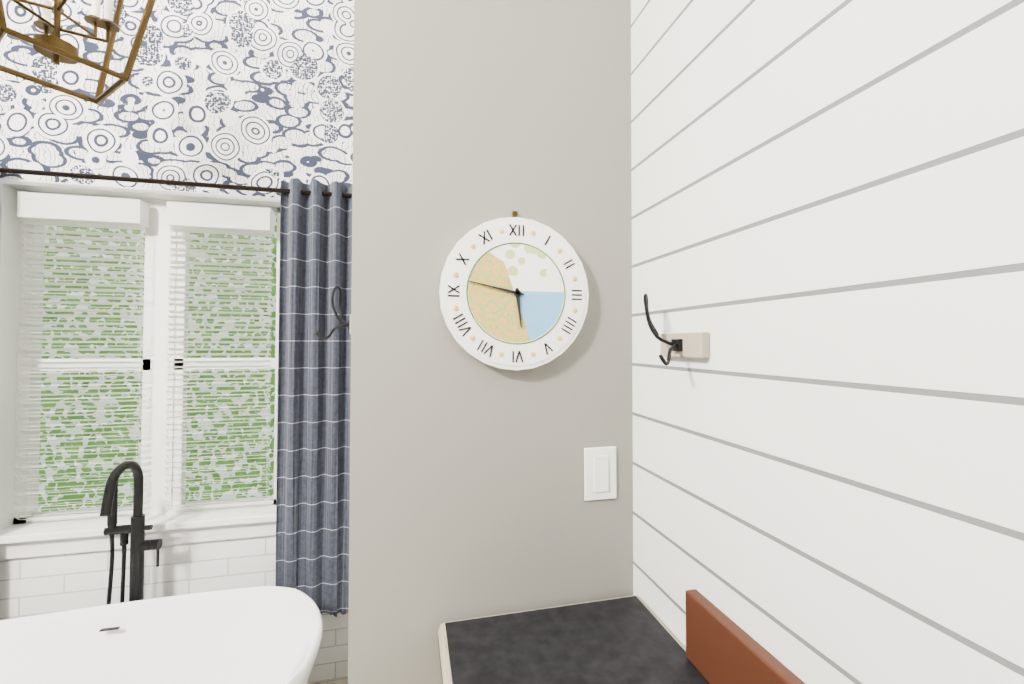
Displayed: 5 h 47 min
